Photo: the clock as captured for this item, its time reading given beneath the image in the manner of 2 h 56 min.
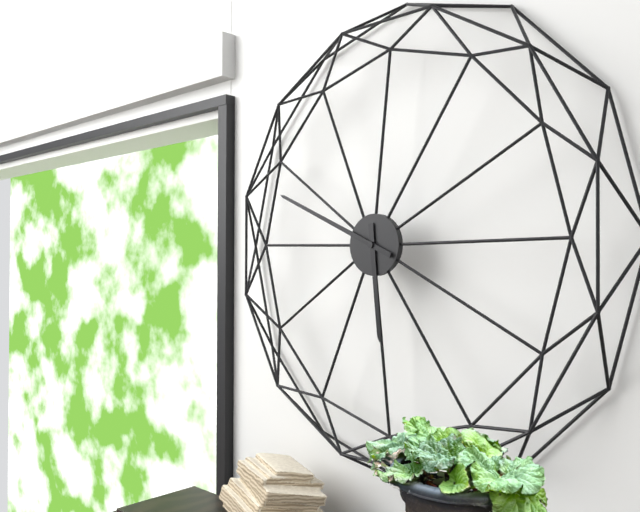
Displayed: 5 h 49 min
